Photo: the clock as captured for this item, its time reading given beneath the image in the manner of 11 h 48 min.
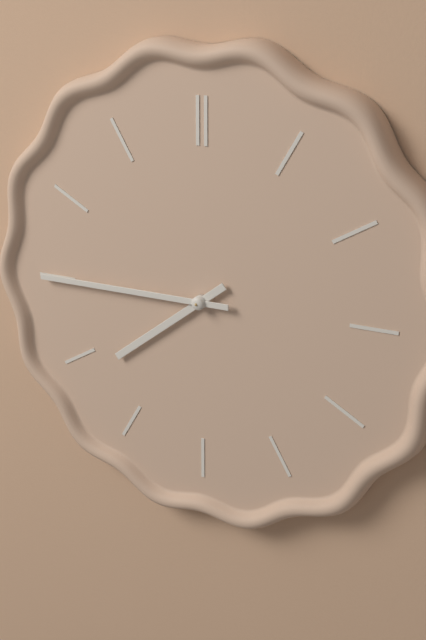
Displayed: 7 h 45 min
